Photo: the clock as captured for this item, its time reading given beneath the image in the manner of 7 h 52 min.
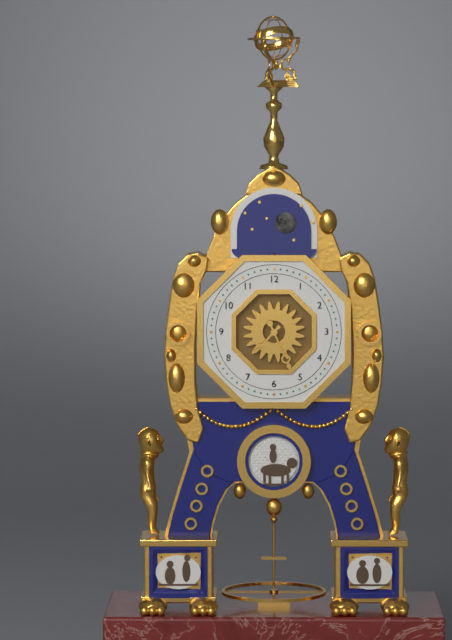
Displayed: 7 h 26 min
